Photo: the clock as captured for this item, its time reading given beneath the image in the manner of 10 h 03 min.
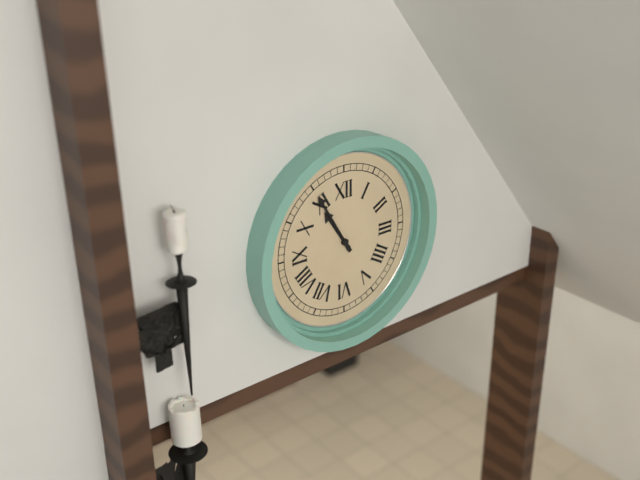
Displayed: 10 h 55 min
